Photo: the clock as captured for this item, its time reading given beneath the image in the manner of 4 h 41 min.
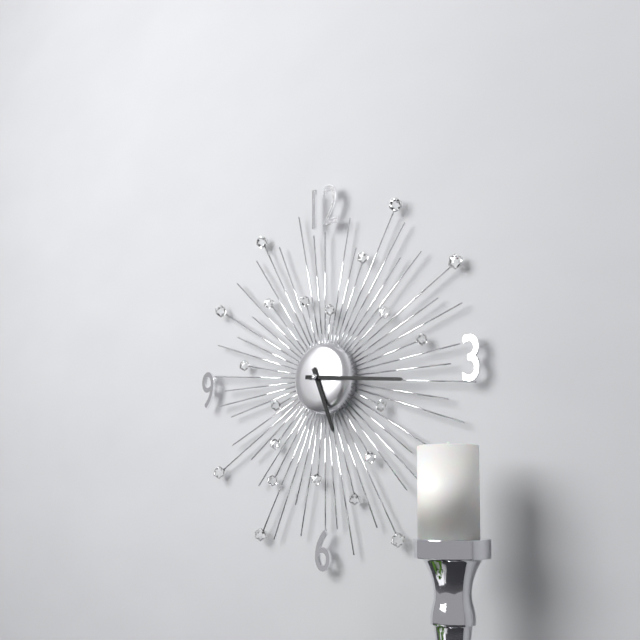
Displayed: 5 h 16 min
